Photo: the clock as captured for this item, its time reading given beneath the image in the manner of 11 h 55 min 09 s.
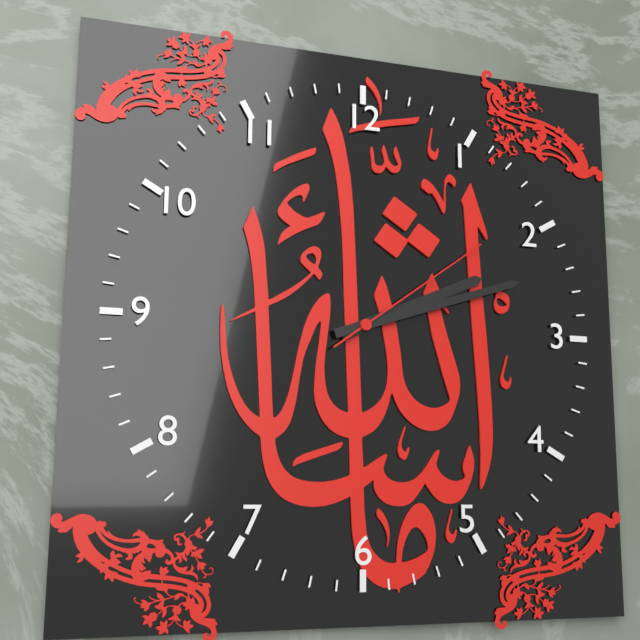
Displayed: 2 h 12 min 09 s
